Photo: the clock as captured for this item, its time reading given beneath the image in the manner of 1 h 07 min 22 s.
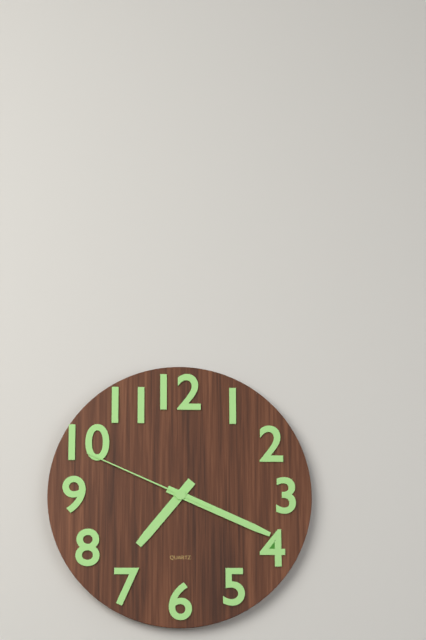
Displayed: 7 h 19 min 49 s
